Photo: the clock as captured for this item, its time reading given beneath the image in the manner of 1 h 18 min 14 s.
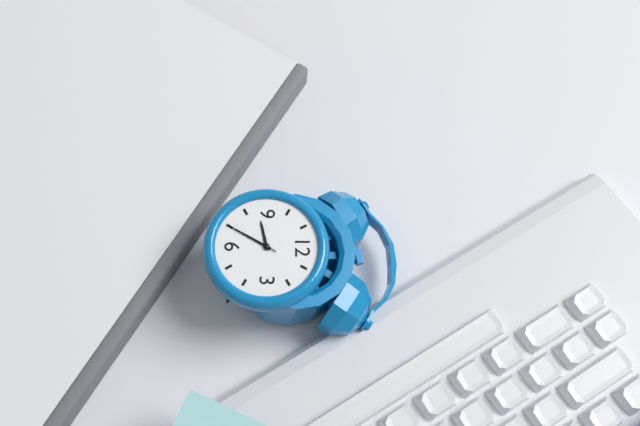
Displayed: 8 h 35 min 35 s
